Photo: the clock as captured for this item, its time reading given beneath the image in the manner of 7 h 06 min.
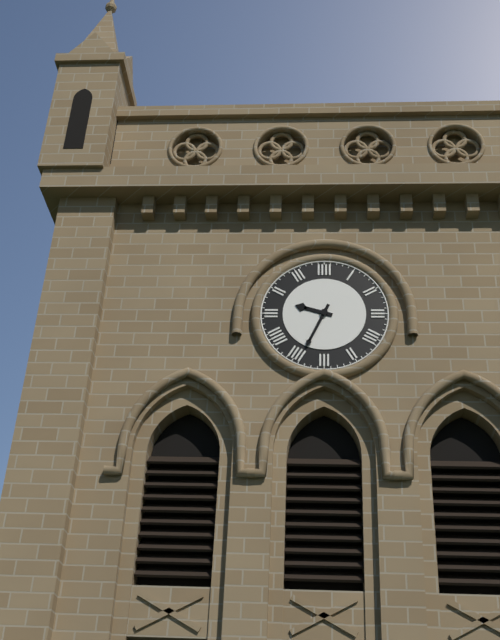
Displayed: 9 h 34 min
